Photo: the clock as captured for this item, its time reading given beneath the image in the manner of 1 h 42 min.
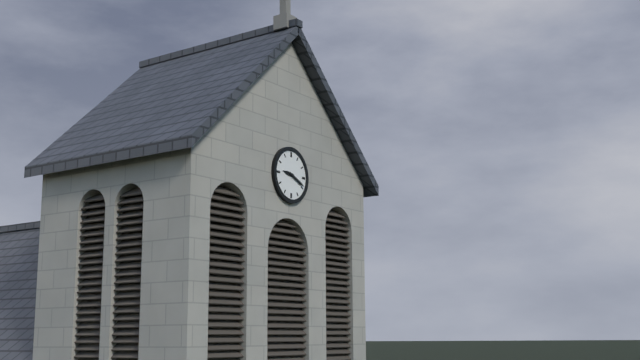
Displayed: 9 h 19 min
